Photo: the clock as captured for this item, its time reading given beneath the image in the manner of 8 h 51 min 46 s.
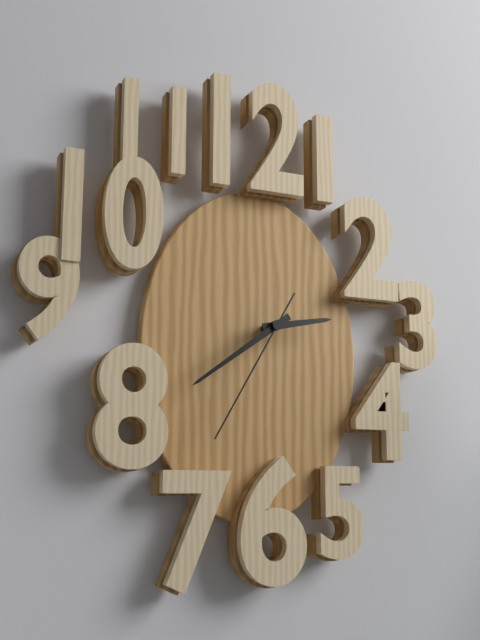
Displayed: 2 h 39 min 35 s
